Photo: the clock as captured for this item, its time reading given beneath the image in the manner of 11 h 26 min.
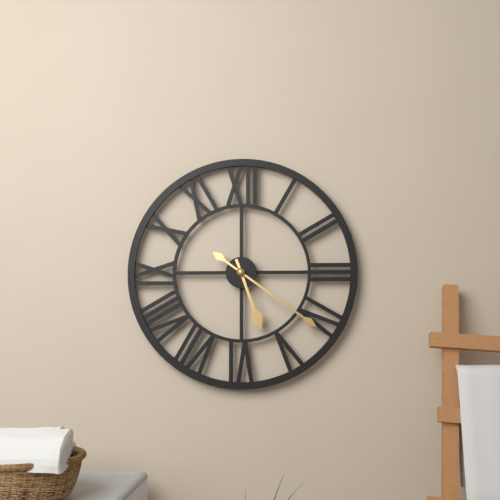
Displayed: 5 h 21 min
